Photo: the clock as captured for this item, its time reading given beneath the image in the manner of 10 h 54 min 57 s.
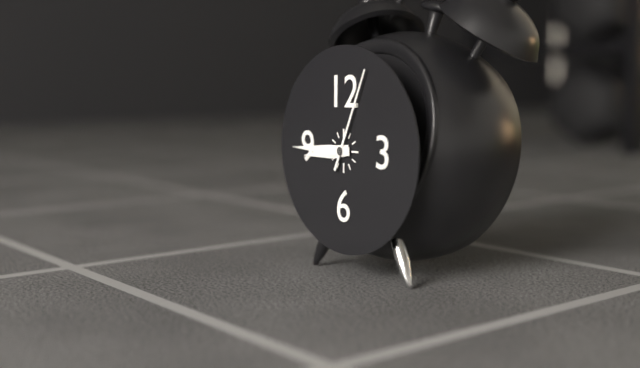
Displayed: 8 h 45 min 04 s
